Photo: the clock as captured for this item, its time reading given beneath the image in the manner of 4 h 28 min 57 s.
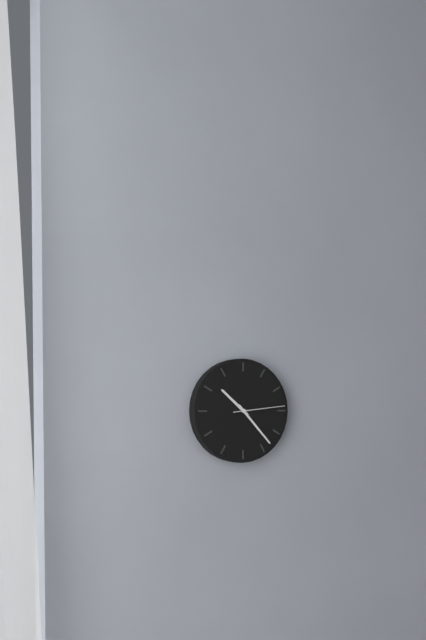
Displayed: 10 h 23 min 14 s
